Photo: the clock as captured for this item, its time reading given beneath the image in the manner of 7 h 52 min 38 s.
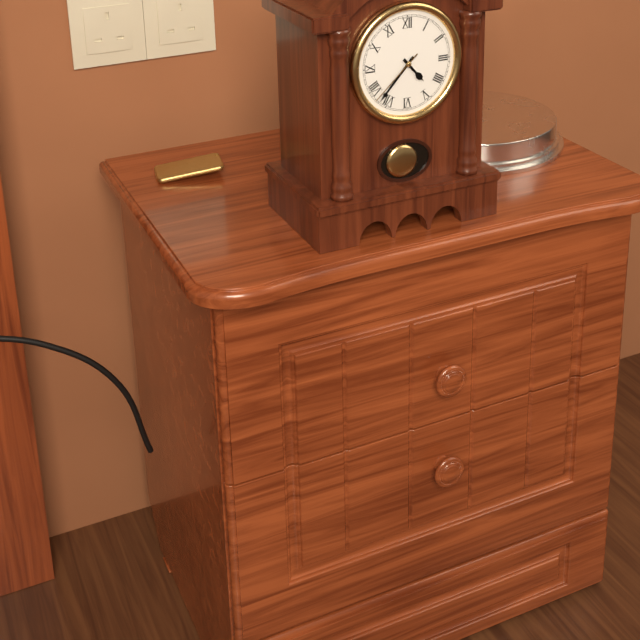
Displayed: 4 h 37 min 38 s
